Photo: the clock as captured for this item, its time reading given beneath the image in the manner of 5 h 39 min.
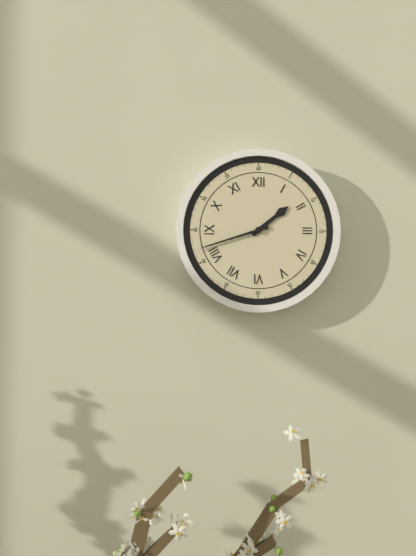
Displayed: 1 h 42 min
